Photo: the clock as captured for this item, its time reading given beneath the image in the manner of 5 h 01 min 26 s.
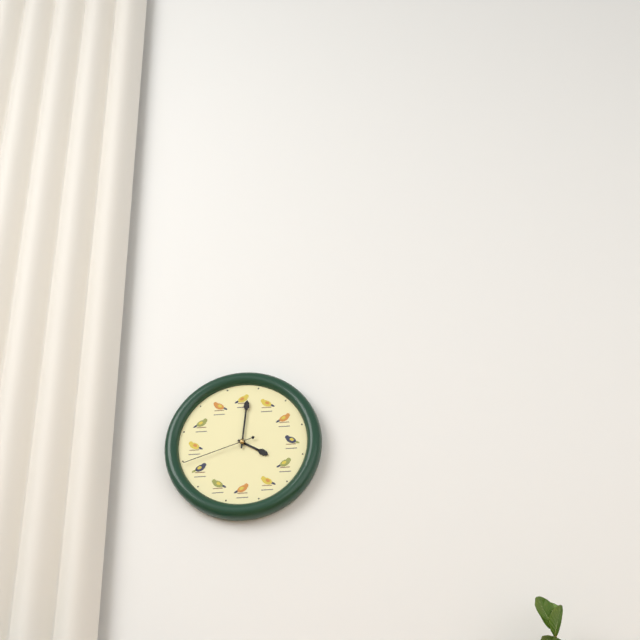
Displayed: 4 h 01 min 42 s
